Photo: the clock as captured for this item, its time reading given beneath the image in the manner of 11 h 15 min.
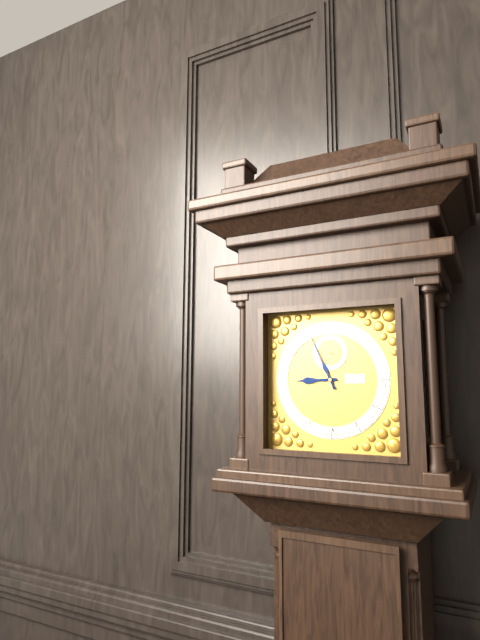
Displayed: 8 h 56 min
